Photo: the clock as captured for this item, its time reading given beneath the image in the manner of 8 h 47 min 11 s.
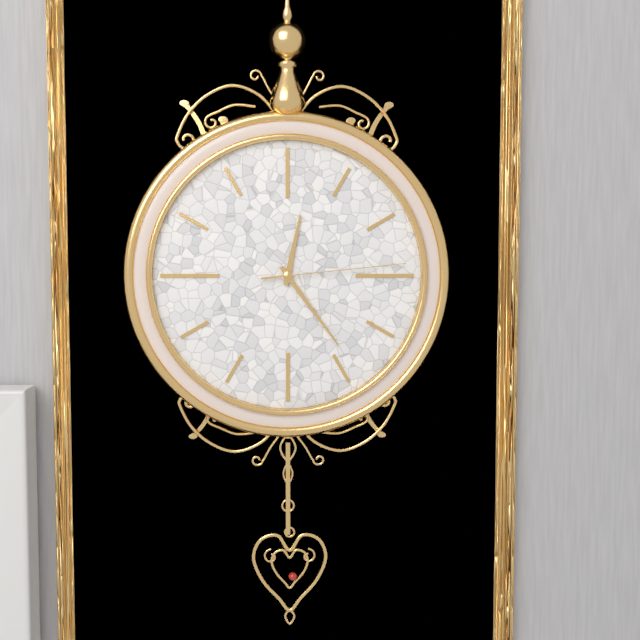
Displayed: 12 h 24 min 14 s
